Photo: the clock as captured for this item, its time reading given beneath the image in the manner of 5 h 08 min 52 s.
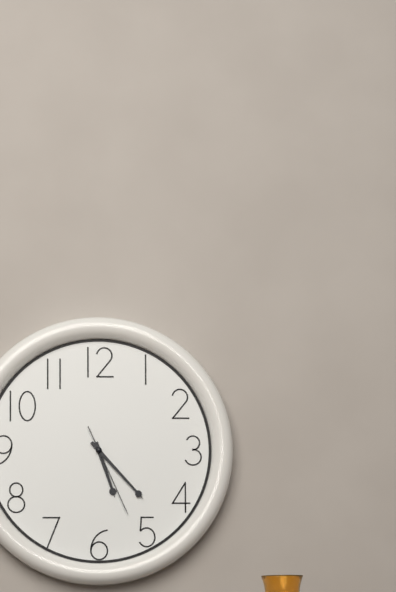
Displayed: 5 h 23 min 26 s
